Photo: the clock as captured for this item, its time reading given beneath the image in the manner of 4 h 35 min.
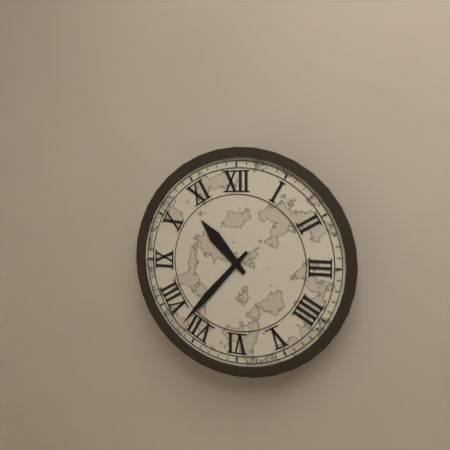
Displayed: 10 h 37 min
